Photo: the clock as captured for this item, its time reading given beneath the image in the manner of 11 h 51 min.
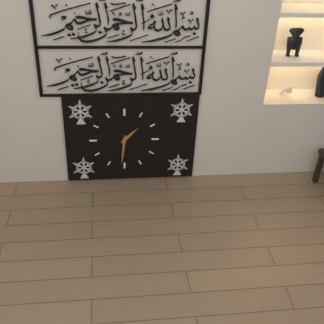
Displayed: 1 h 31 min
